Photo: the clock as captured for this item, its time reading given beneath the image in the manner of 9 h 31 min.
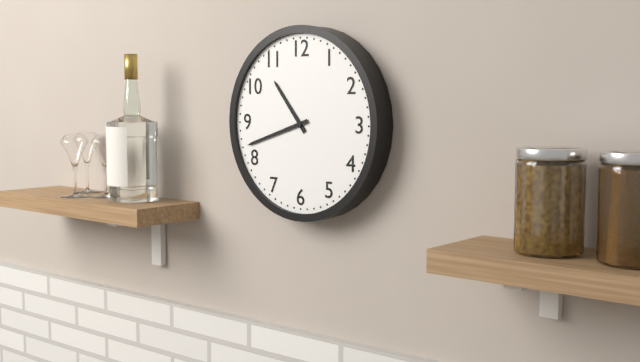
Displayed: 10 h 42 min
